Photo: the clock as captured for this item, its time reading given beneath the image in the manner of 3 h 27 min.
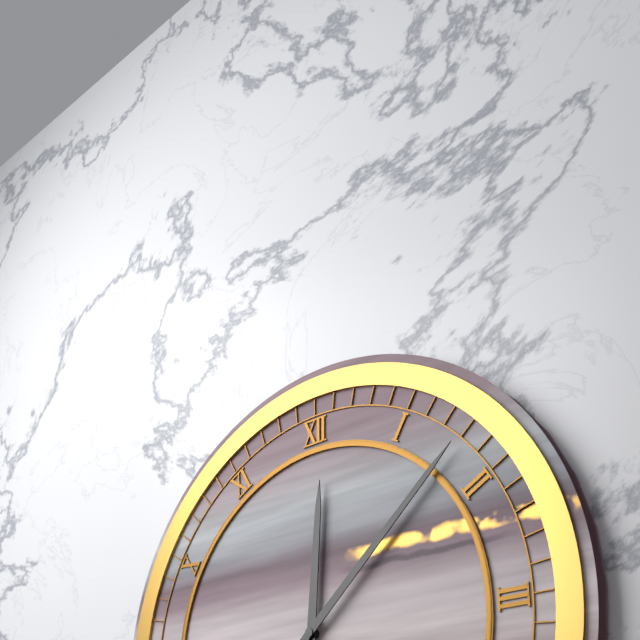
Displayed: 12 h 08 min
